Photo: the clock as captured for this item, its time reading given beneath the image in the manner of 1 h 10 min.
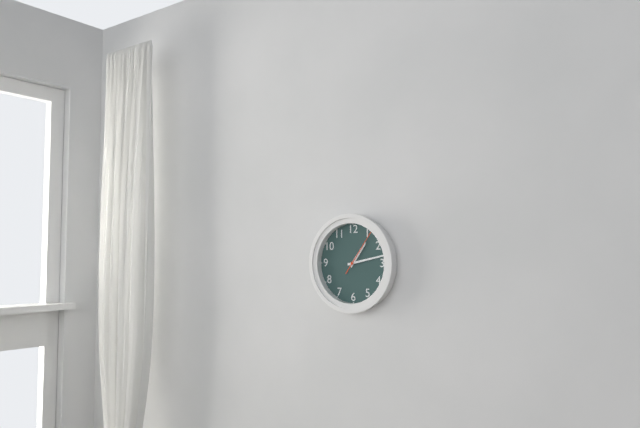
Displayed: 1 h 13 min
